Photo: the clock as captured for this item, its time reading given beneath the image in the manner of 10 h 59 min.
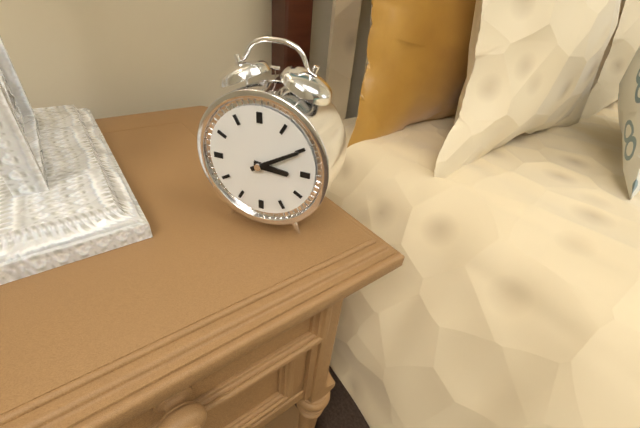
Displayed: 3 h 10 min
